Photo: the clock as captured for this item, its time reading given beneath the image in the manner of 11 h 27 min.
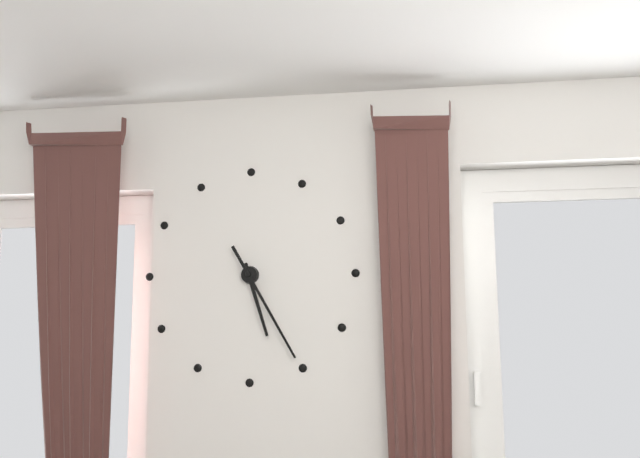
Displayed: 5 h 25 min
